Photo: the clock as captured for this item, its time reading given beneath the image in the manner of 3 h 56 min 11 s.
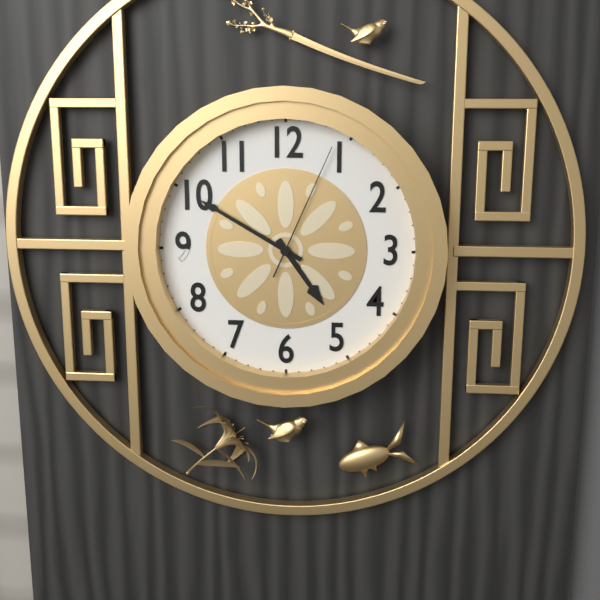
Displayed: 4 h 50 min 04 s
